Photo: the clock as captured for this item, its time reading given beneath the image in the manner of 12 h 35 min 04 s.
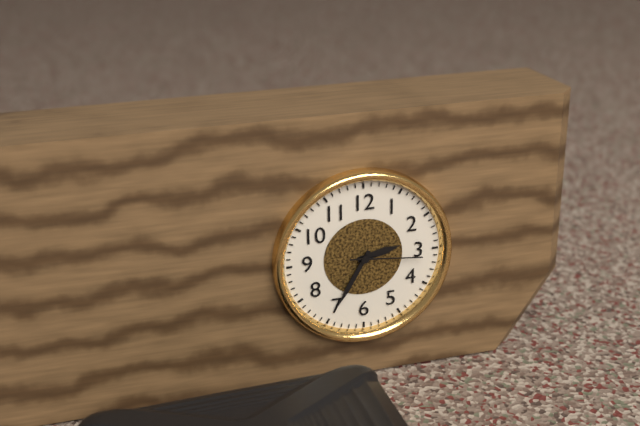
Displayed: 2 h 35 min 16 s
